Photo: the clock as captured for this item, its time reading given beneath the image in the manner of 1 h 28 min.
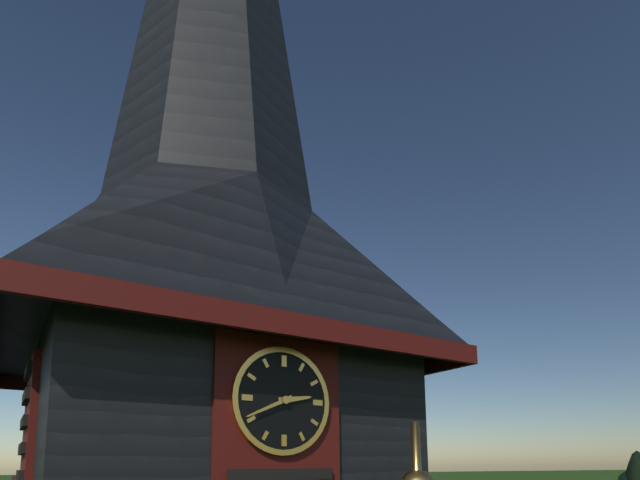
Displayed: 2 h 41 min
